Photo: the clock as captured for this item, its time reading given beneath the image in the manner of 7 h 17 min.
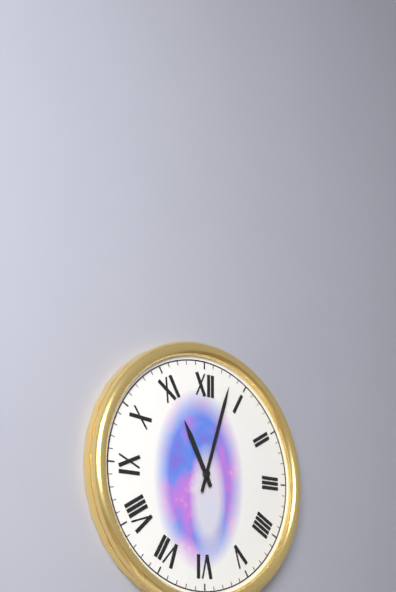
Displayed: 11 h 03 min
